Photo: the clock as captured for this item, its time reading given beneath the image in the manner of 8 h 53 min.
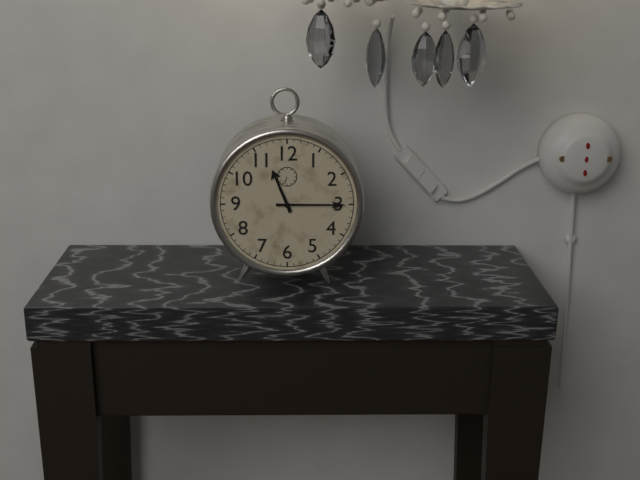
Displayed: 11 h 15 min
